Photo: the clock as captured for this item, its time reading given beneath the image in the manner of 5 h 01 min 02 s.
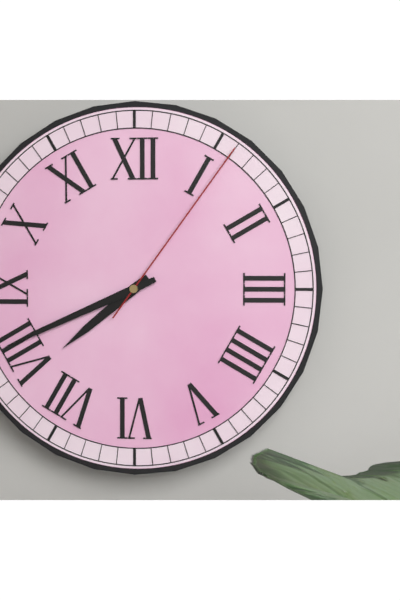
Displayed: 7 h 41 min 06 s
